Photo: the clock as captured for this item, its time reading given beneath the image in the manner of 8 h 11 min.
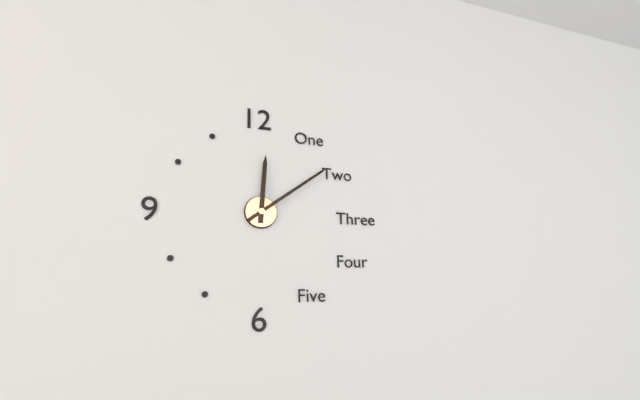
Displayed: 12 h 09 min
